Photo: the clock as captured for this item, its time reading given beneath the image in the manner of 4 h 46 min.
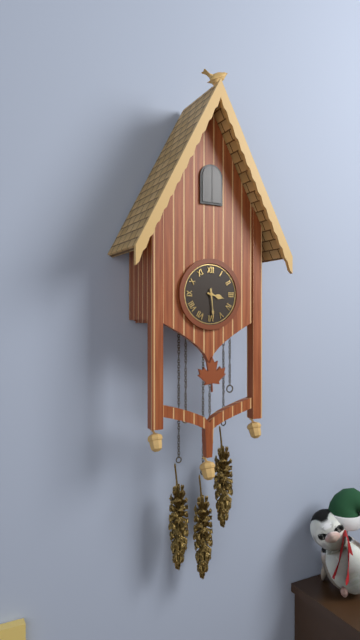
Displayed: 3 h 29 min
